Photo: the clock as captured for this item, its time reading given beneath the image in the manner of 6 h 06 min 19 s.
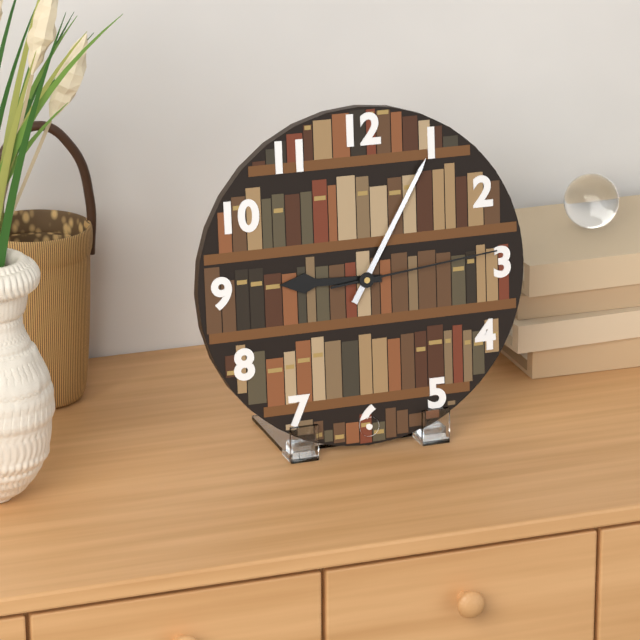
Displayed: 9 h 05 min 14 s
